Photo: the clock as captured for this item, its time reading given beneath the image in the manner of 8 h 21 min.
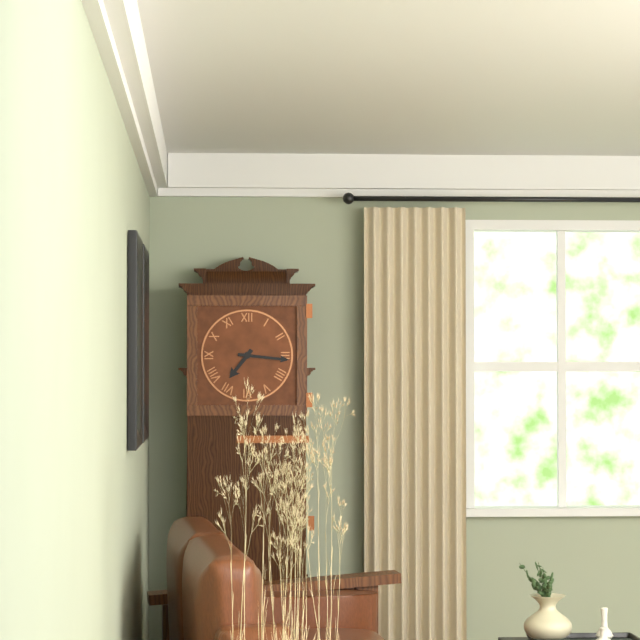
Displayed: 7 h 16 min
